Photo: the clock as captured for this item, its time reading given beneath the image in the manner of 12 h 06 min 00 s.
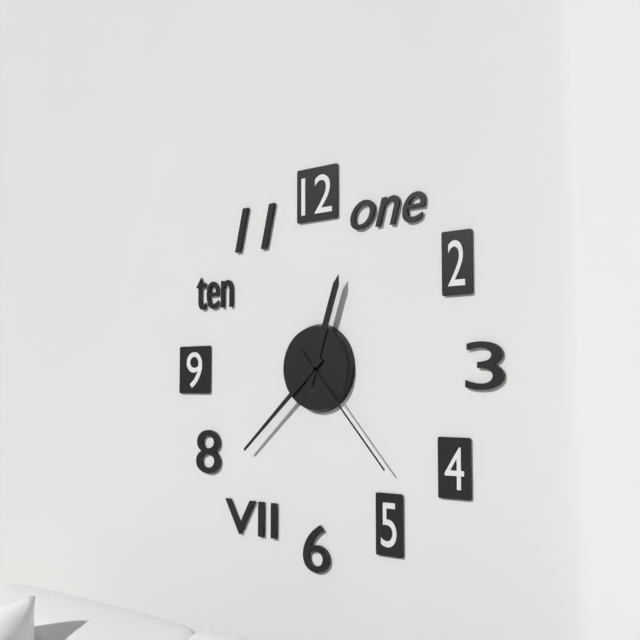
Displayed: 12 h 38 min 23 s
